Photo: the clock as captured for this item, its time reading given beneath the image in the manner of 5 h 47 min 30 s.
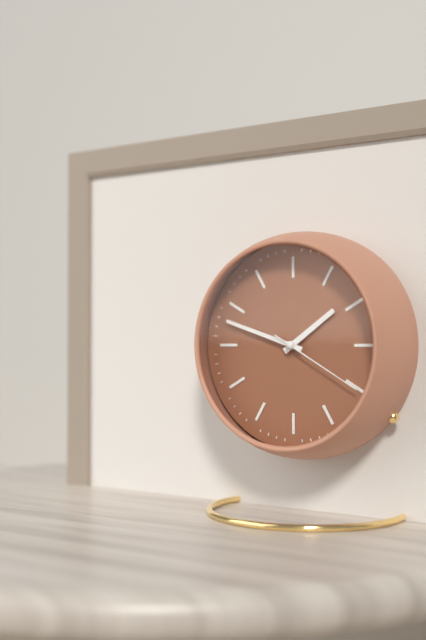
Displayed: 1 h 48 min 20 s
